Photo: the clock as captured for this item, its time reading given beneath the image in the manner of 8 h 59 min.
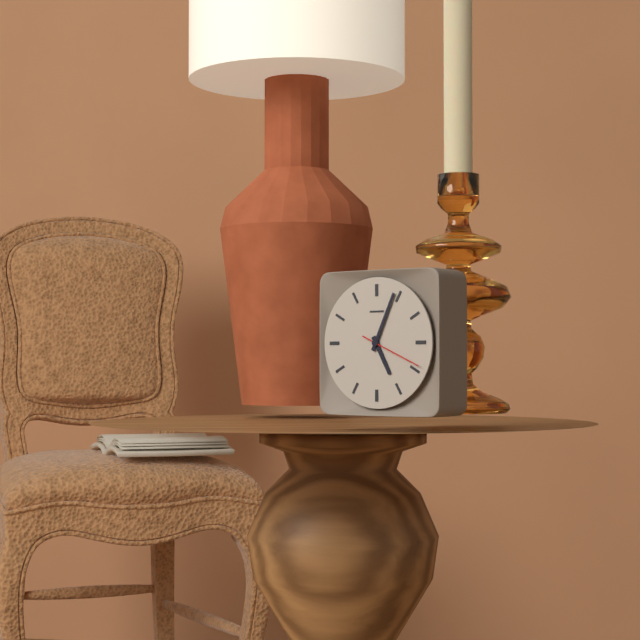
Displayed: 5 h 04 min
